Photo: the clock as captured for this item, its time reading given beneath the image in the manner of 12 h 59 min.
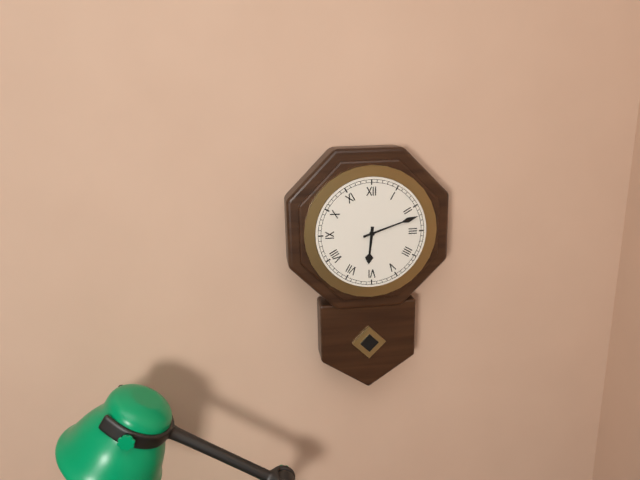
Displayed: 6 h 12 min
